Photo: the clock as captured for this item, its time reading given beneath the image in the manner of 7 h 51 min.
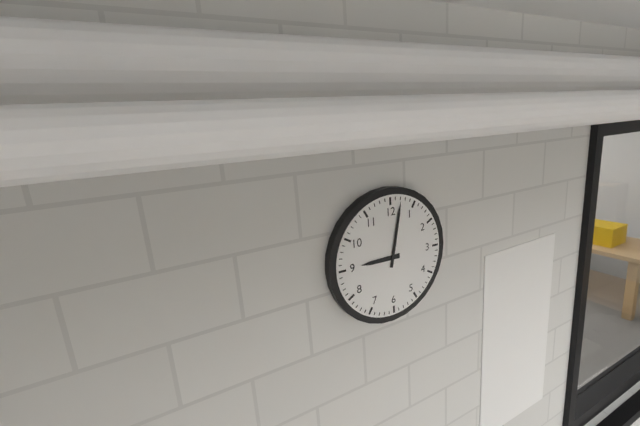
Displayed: 9 h 02 min
